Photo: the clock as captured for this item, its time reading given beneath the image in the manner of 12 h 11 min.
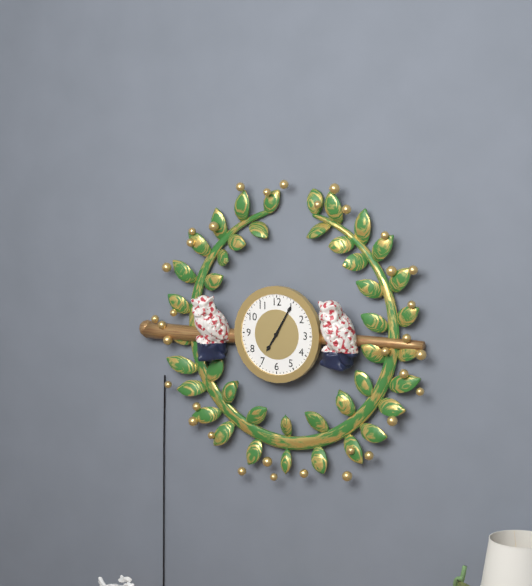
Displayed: 7 h 05 min
